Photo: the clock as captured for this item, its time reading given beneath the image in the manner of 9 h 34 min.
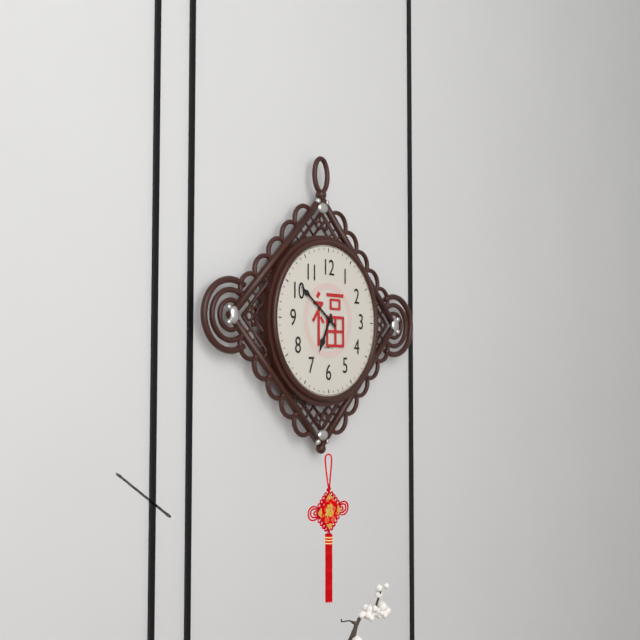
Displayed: 6 h 51 min
